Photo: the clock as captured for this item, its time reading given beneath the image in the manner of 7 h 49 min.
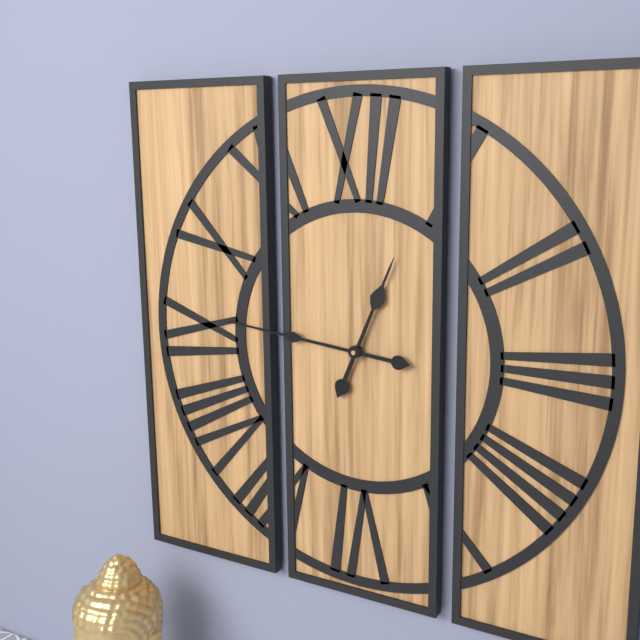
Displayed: 12 h 46 min
